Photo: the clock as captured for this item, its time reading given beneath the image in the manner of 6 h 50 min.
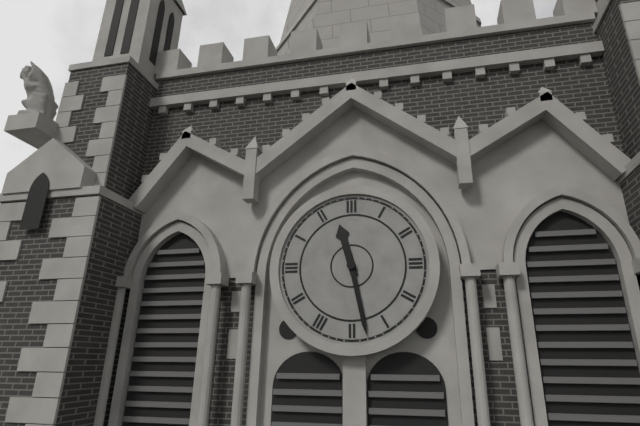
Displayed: 11 h 28 min
